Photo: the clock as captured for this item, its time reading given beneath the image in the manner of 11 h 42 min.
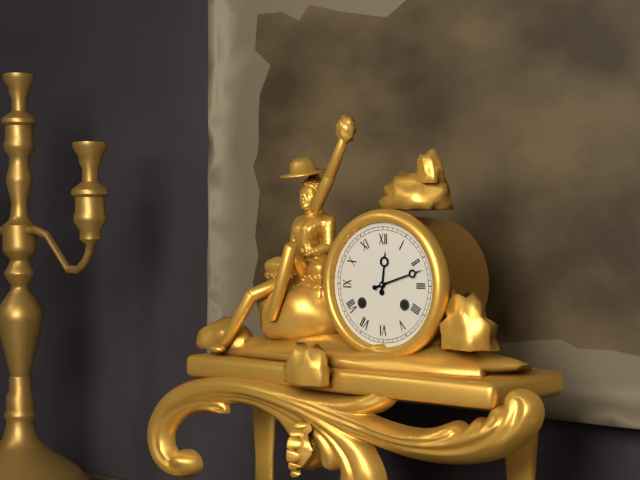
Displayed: 12 h 12 min
